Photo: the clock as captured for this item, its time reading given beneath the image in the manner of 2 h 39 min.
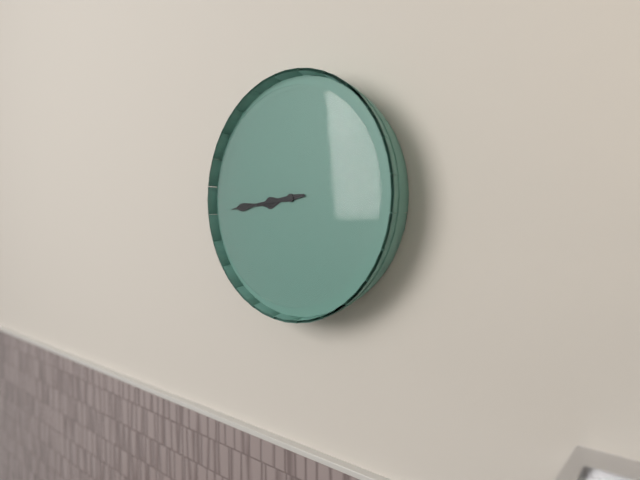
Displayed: 8 h 44 min
